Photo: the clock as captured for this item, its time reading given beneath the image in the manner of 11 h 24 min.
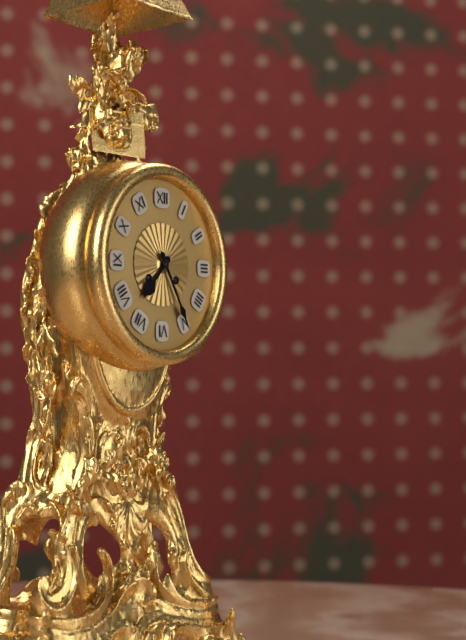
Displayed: 7 h 25 min
